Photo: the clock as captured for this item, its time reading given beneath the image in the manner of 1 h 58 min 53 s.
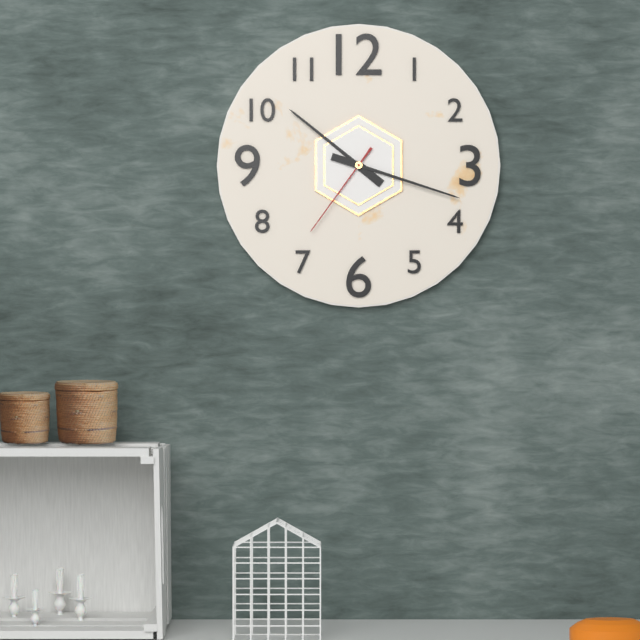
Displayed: 10 h 18 min 36 s
